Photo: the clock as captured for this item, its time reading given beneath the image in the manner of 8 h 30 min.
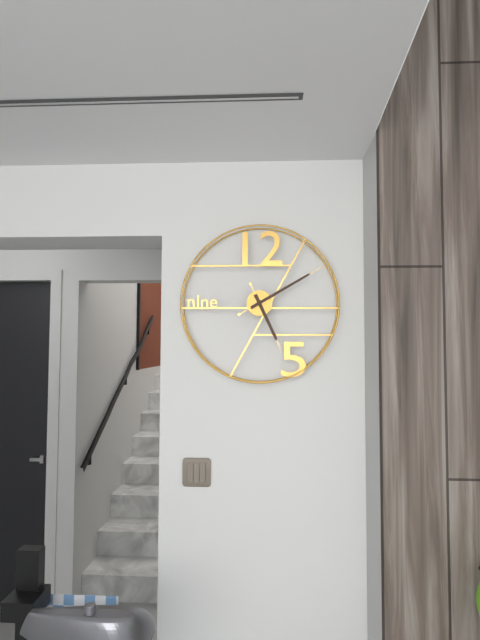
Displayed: 5 h 10 min
